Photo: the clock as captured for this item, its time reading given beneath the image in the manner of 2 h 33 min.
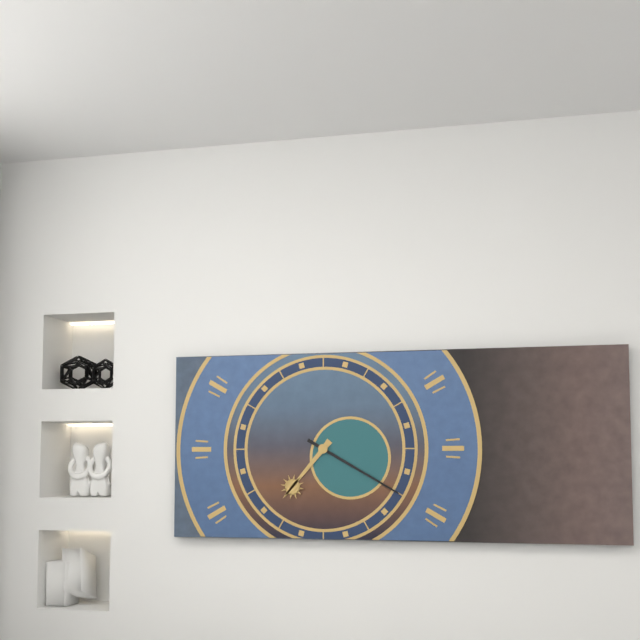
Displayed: 7 h 20 min
